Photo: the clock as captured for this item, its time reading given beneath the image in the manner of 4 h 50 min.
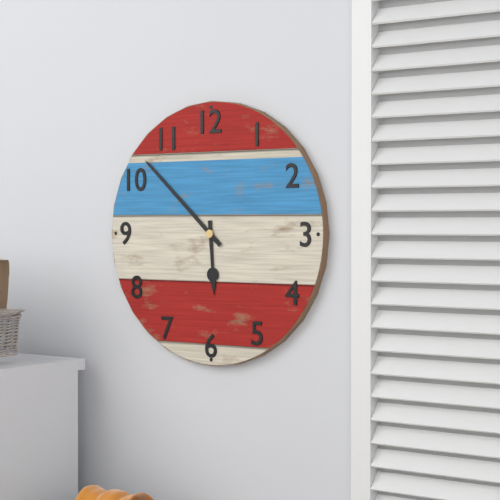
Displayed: 5 h 52 min
